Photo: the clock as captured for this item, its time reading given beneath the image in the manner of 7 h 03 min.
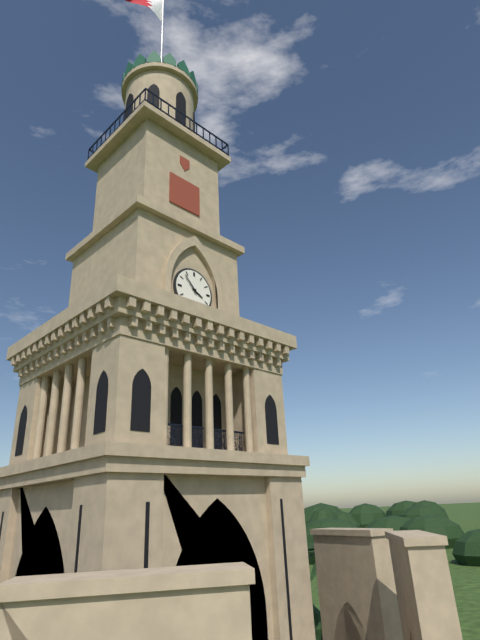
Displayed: 3 h 53 min
